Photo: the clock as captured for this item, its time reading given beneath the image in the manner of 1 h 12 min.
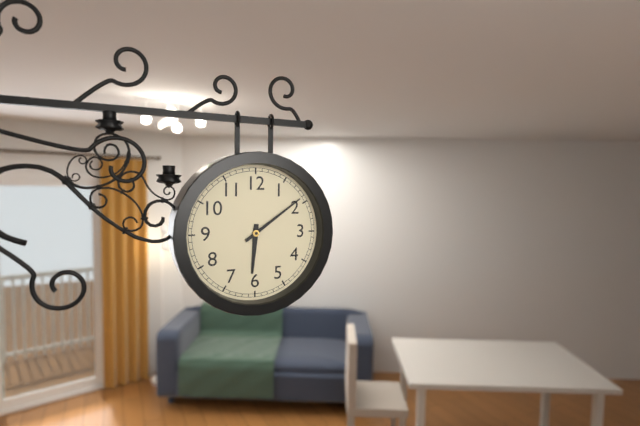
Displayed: 6 h 09 min
